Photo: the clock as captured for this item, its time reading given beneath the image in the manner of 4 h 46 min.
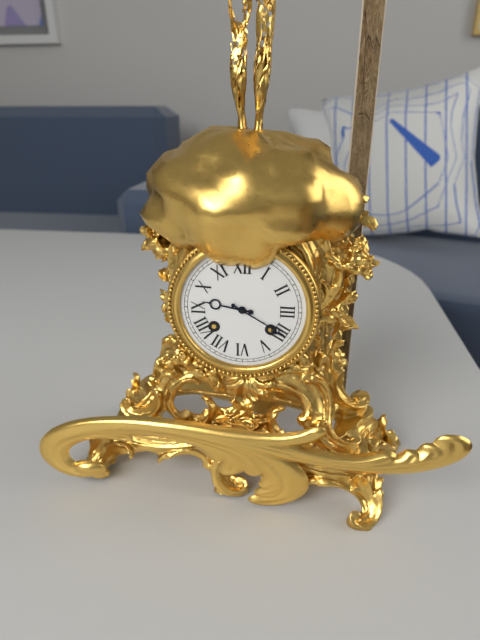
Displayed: 9 h 20 min
